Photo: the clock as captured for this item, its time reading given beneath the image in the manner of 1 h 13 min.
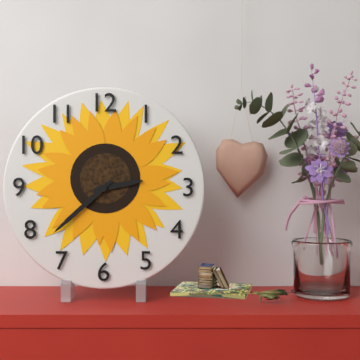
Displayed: 2 h 38 min
